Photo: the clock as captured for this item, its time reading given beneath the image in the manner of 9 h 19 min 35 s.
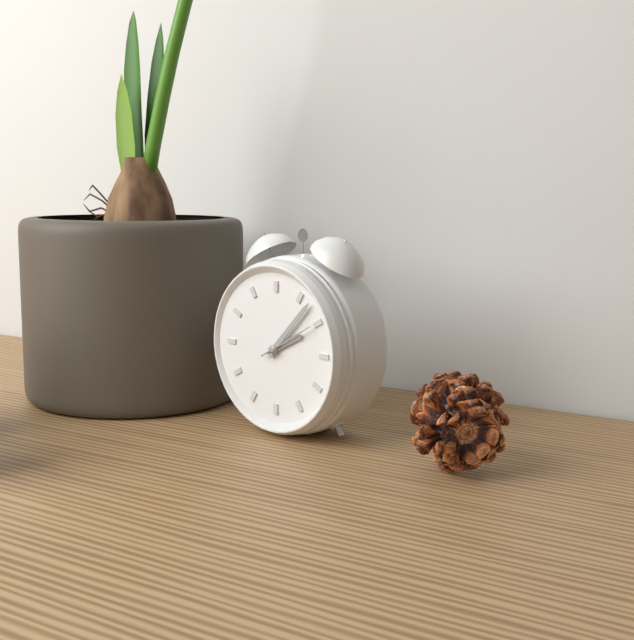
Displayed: 2 h 07 min 10 s
